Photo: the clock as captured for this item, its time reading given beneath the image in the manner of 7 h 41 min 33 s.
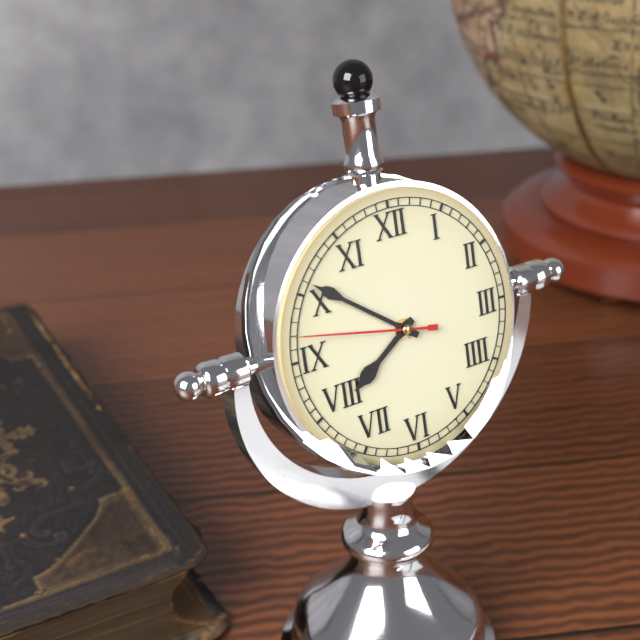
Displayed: 7 h 51 min 47 s
